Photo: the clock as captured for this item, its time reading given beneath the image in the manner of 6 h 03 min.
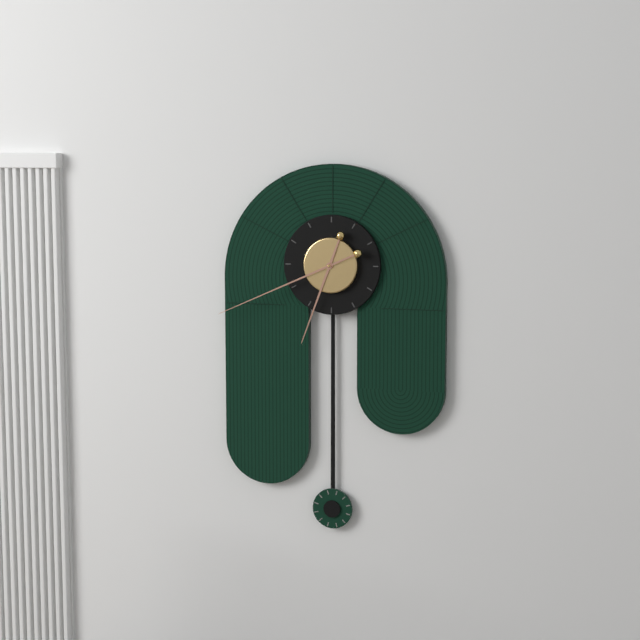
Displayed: 6 h 41 min
